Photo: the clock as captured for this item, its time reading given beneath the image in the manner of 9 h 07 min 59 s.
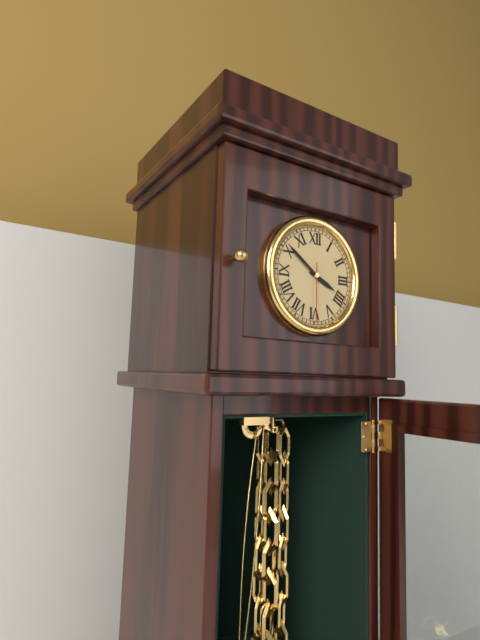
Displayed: 3 h 51 min 30 s
